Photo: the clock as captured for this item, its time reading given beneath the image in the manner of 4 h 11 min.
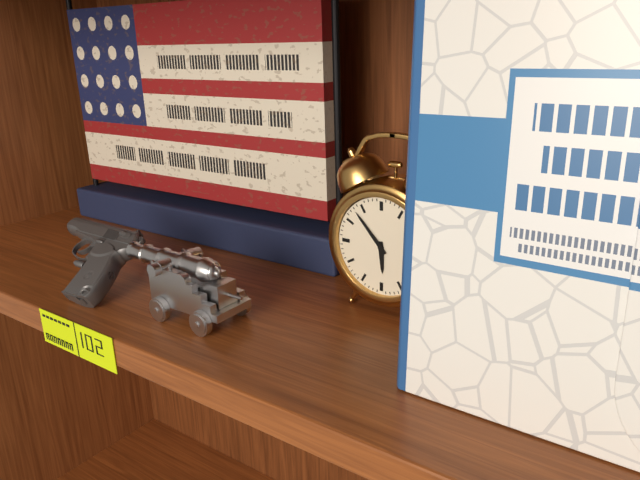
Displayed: 5 h 53 min
